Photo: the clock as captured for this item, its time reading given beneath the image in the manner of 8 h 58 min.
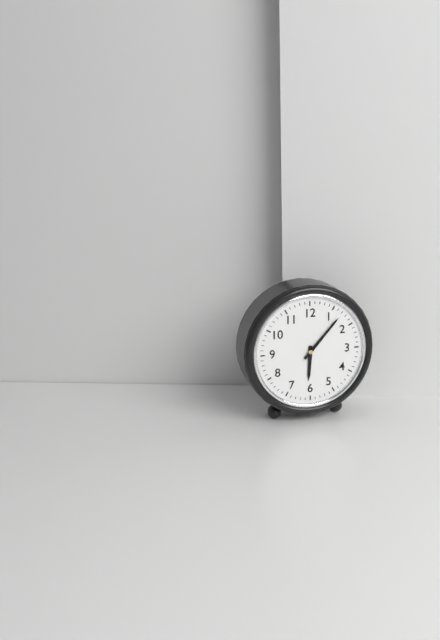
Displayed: 6 h 07 min
